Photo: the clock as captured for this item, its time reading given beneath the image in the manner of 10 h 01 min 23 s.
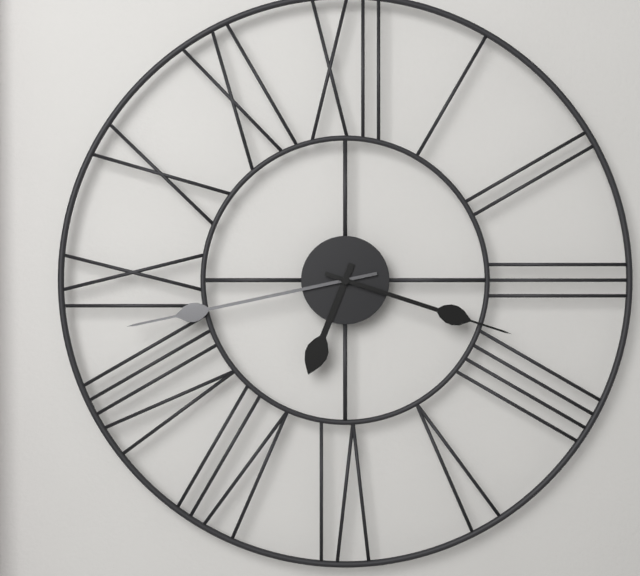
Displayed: 6 h 43 min 18 s
